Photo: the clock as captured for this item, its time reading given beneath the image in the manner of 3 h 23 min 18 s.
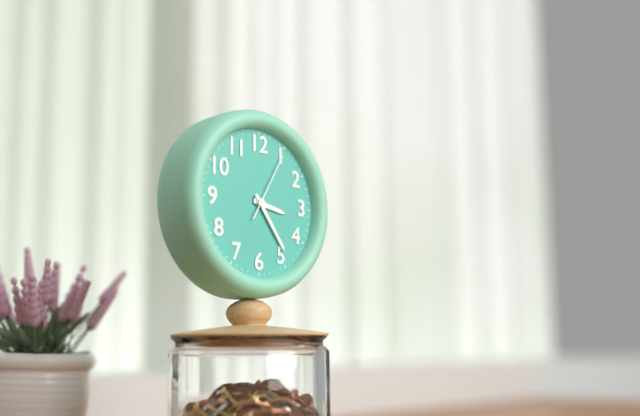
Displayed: 3 h 24 min 05 s
